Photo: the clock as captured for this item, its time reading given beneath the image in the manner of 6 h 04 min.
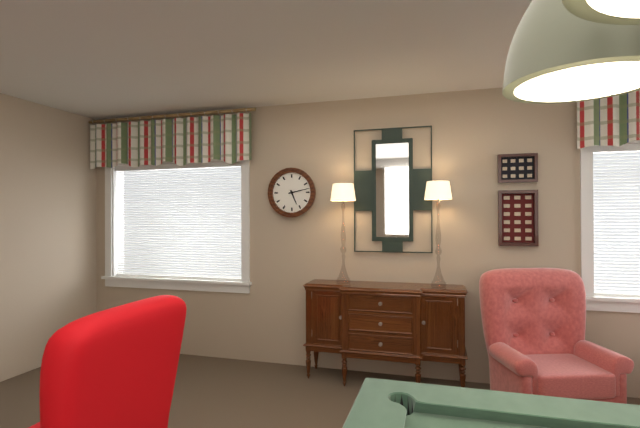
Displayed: 5 h 13 min
